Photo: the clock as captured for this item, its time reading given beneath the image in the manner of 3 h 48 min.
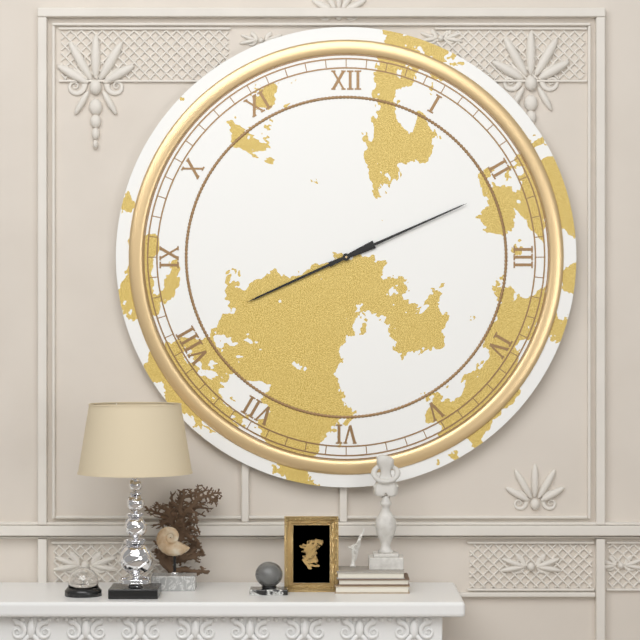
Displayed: 8 h 11 min
